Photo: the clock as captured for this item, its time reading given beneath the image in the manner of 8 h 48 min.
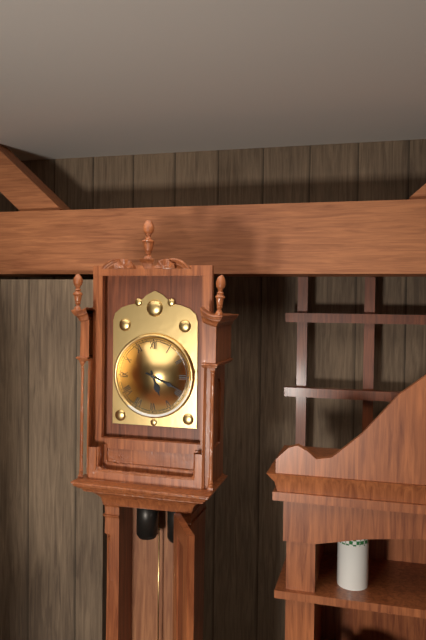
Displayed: 5 h 19 min
